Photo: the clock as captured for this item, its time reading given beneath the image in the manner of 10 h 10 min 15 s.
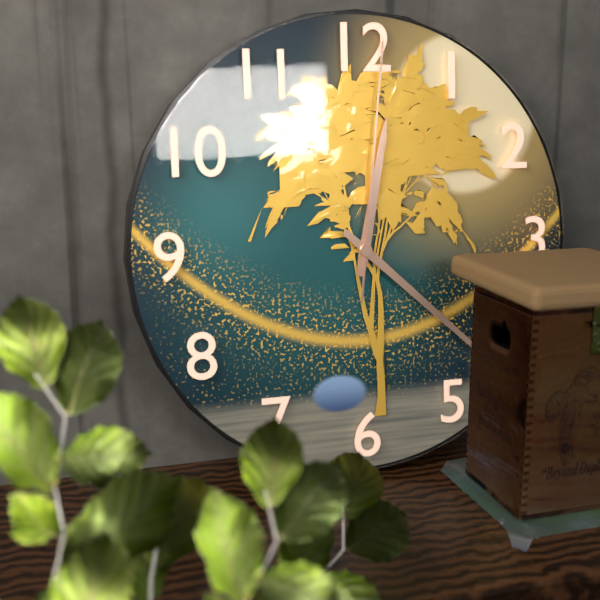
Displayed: 12 h 22 min 01 s
